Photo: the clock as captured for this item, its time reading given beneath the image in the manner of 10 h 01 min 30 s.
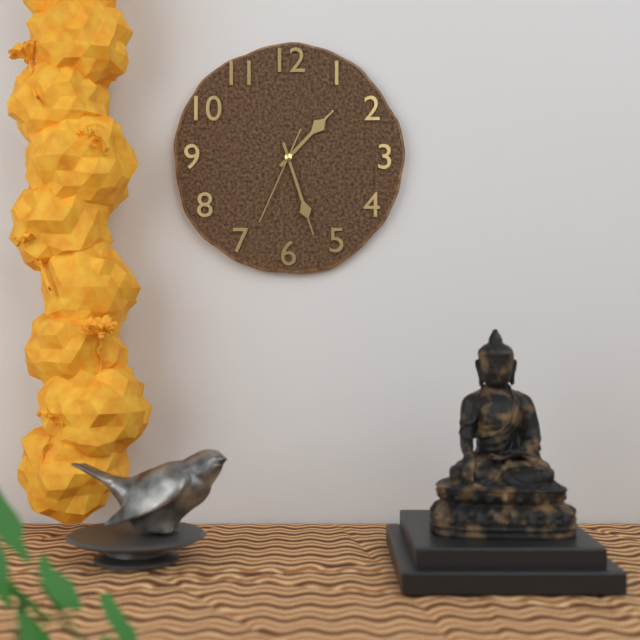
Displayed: 1 h 27 min 34 s
